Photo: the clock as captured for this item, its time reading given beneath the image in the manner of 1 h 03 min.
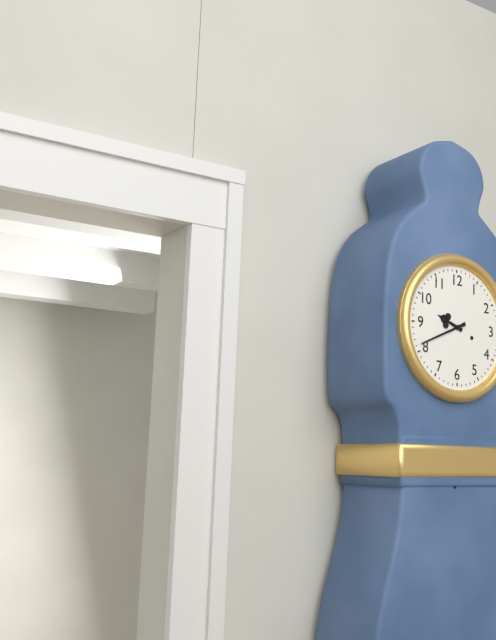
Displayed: 9 h 41 min
